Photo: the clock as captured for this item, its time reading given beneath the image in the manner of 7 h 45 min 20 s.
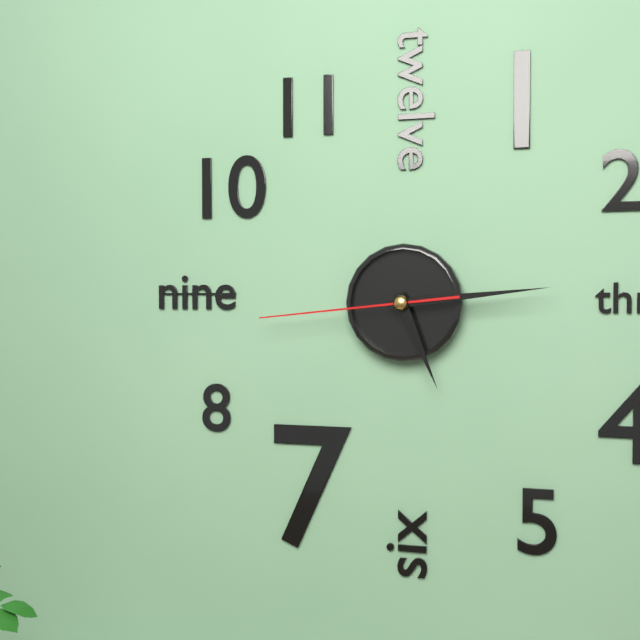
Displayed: 5 h 14 min 44 s
